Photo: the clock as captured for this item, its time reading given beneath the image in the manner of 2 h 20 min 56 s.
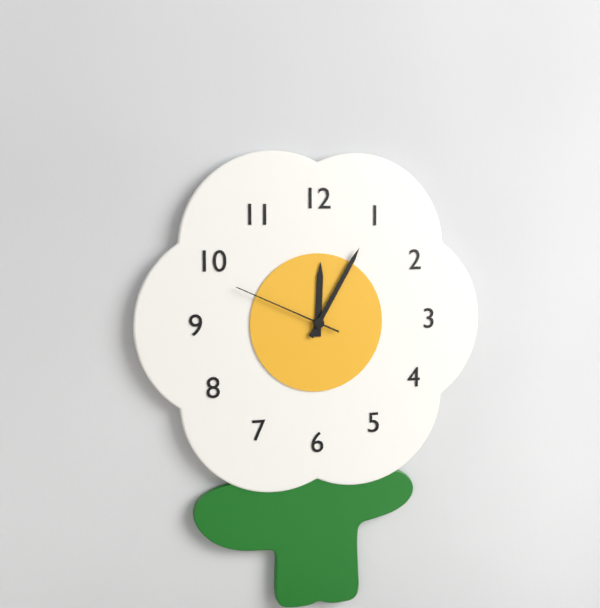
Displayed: 12 h 05 min 49 s
